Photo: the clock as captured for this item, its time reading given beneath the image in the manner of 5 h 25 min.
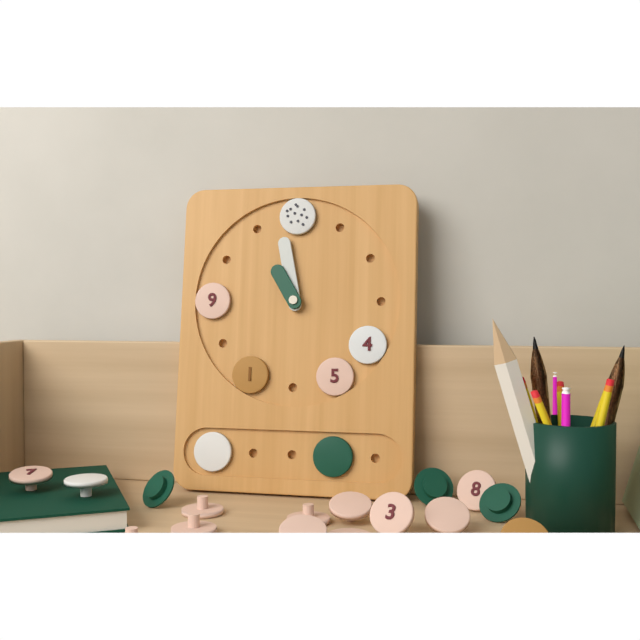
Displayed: 10 h 58 min
